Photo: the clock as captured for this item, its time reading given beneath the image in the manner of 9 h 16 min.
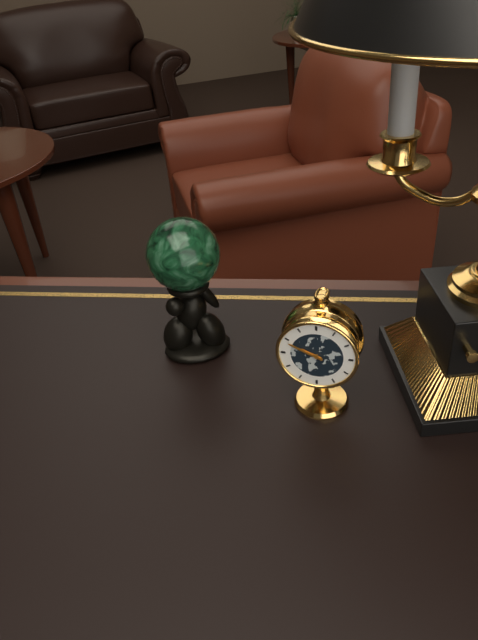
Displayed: 9 h 49 min
